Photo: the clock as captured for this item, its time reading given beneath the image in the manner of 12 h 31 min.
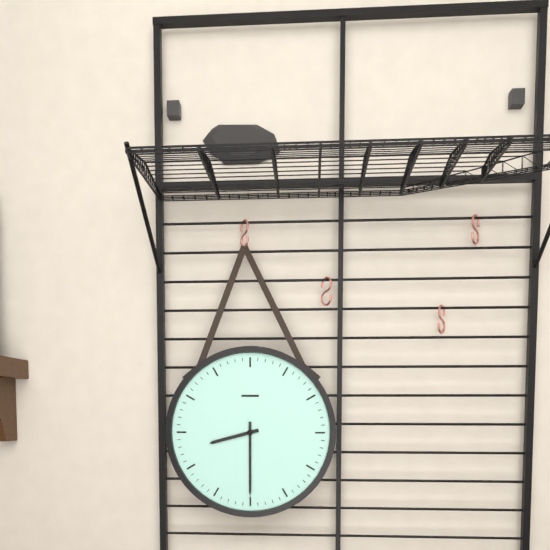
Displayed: 8 h 30 min
